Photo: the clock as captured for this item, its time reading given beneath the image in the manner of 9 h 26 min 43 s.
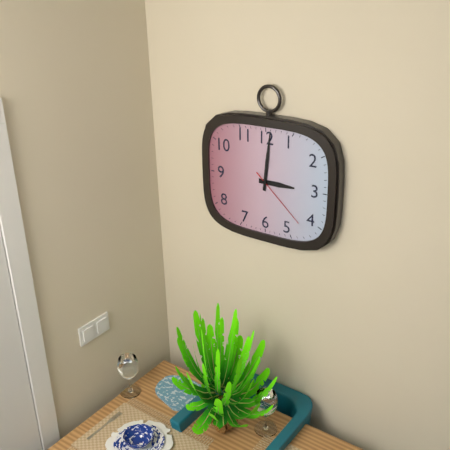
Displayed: 3 h 01 min 22 s
